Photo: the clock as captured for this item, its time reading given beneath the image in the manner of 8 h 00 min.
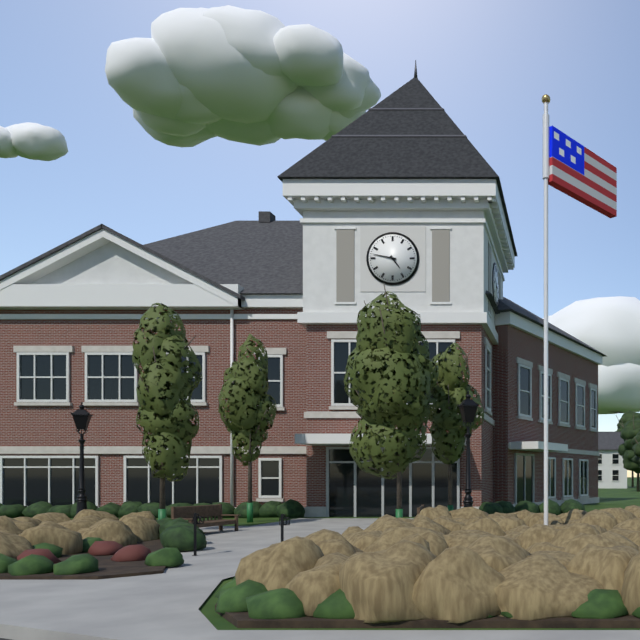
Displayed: 4 h 47 min
